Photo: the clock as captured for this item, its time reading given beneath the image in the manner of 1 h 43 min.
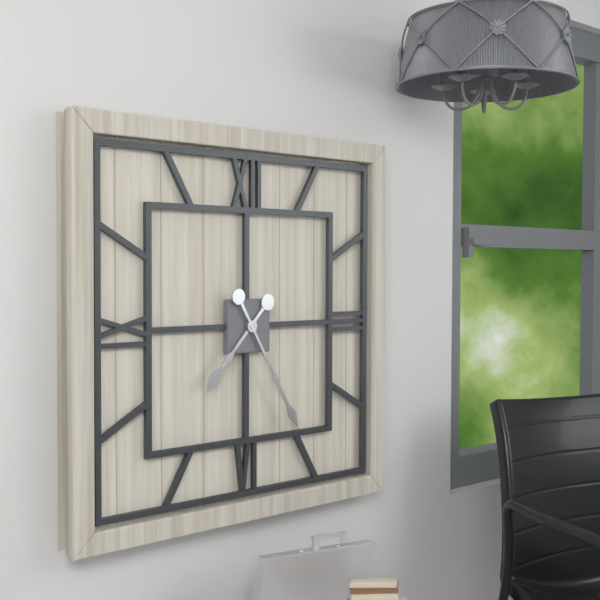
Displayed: 7 h 25 min
